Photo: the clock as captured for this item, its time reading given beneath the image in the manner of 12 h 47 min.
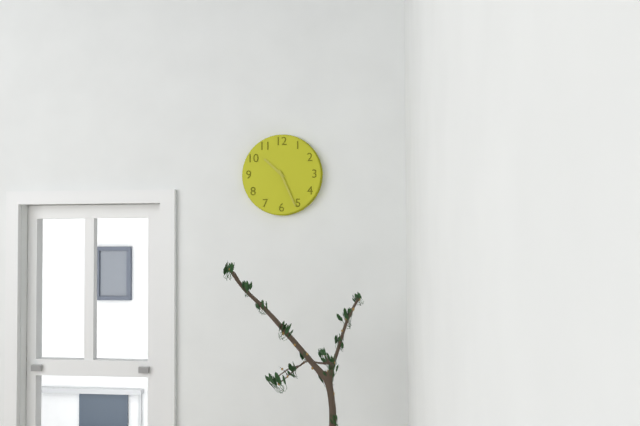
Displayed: 10 h 26 min
